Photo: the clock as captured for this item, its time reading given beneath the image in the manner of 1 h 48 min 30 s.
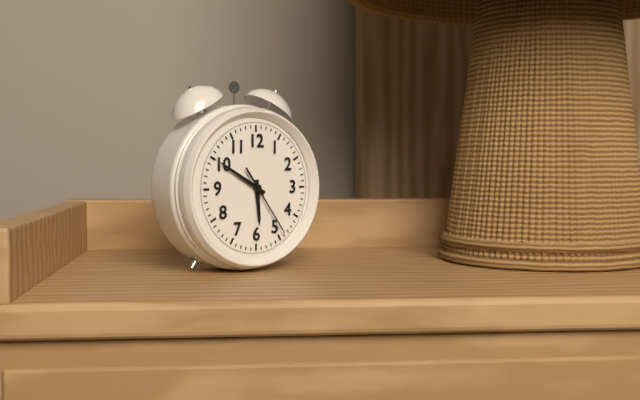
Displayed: 5 h 50 min 24 s
